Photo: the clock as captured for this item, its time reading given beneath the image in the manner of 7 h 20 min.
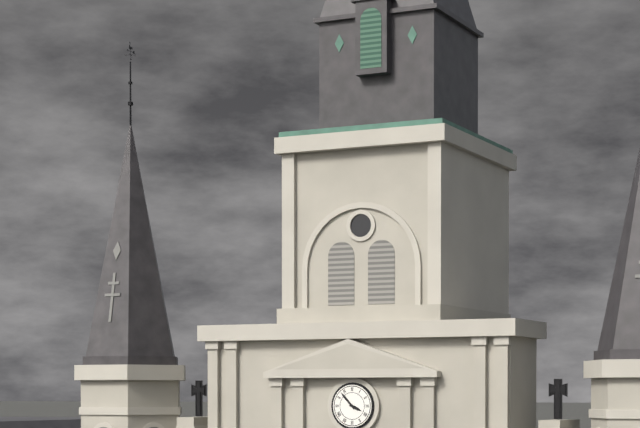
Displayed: 3 h 53 min
